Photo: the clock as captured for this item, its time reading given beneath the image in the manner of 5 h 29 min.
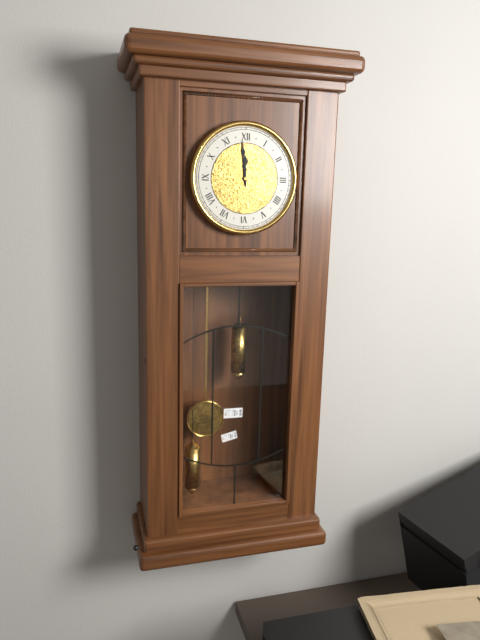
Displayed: 11 h 59 min
